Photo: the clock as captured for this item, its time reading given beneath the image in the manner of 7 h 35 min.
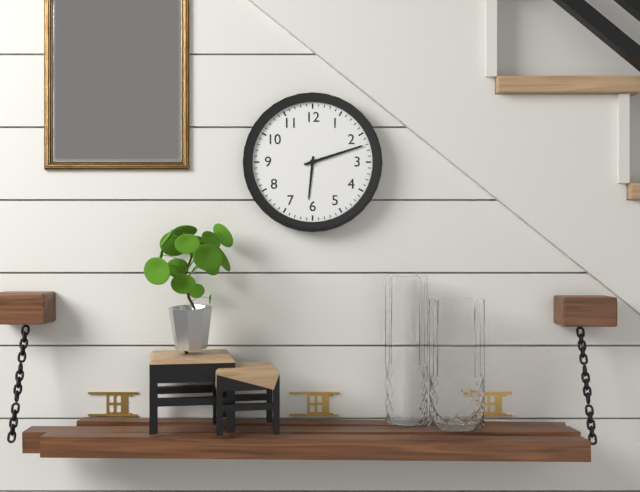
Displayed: 6 h 12 min
